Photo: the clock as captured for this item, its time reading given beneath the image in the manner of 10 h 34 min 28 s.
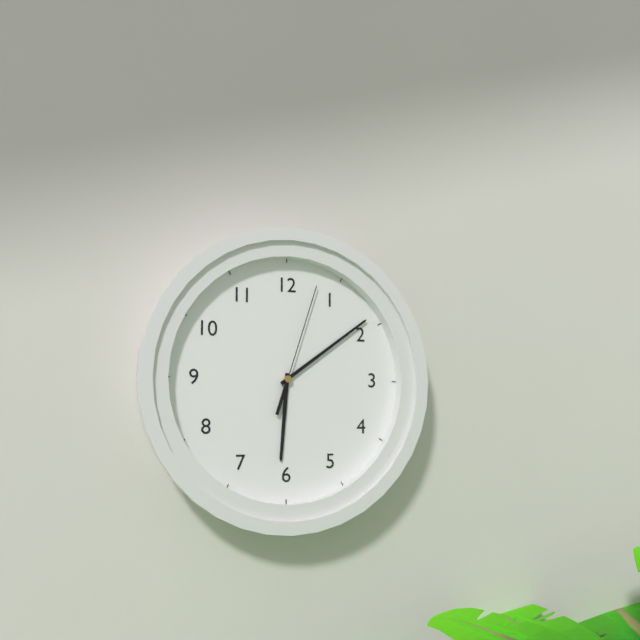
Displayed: 6 h 09 min 03 s
